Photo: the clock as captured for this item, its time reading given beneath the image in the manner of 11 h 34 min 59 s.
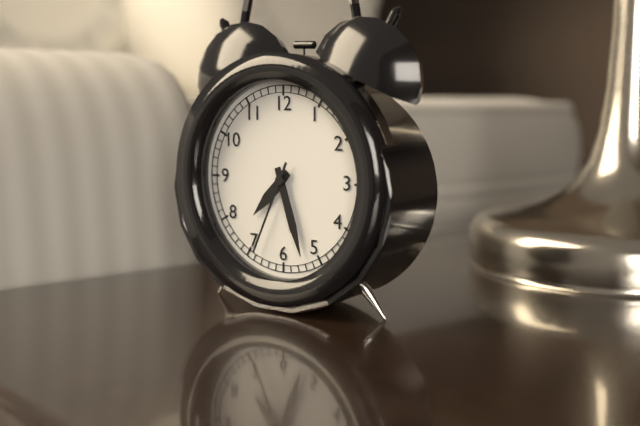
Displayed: 7 h 27 min 34 s
